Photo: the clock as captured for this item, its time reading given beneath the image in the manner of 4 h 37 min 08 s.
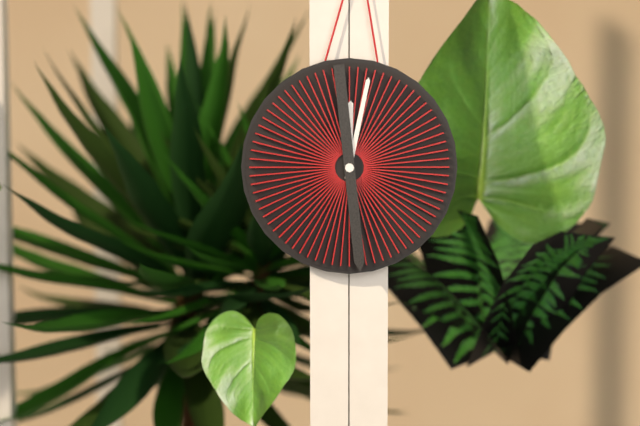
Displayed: 12 h 02 min 29 s
